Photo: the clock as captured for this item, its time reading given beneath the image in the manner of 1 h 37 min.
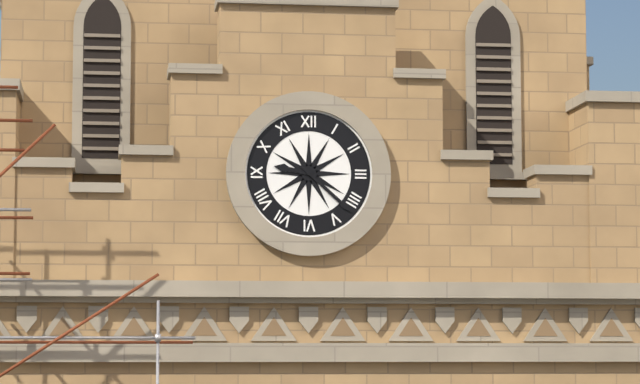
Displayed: 9 h 22 min
